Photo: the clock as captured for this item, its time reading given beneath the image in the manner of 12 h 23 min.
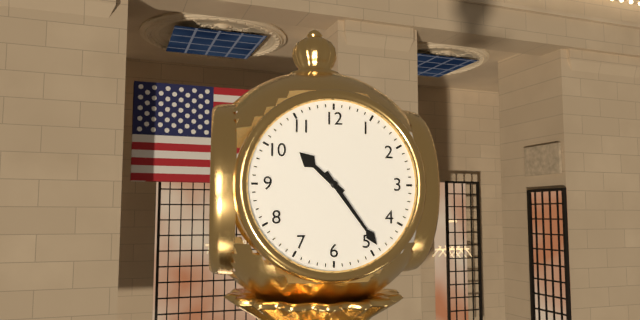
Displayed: 10 h 24 min
